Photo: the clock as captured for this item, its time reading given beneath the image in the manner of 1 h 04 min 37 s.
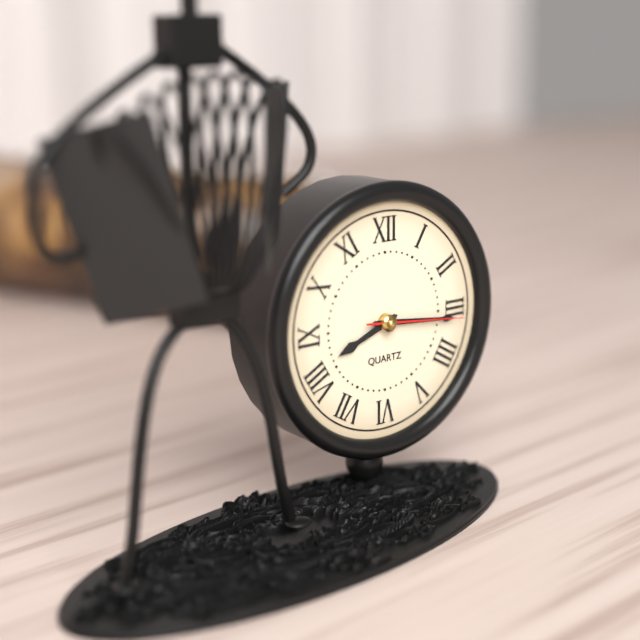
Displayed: 8 h 16 min 16 s
